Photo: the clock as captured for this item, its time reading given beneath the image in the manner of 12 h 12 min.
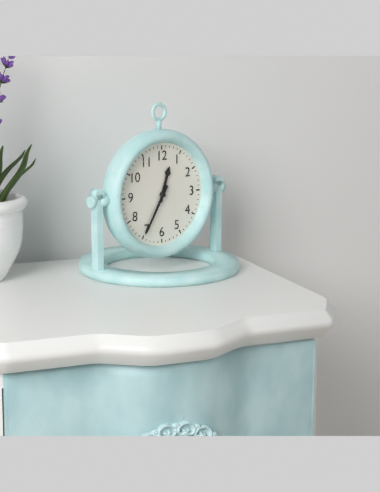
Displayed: 12 h 35 min
